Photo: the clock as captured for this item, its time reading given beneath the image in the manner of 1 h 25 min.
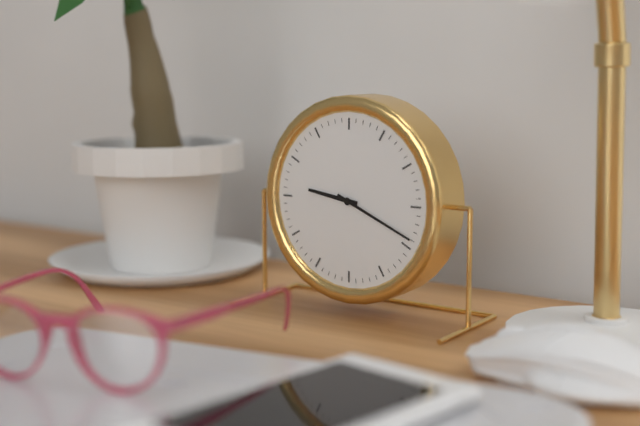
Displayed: 9 h 19 min
